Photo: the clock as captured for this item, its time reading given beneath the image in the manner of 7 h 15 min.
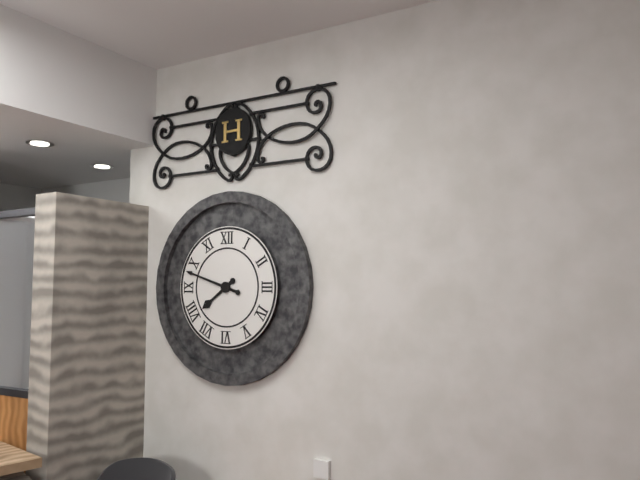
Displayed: 7 h 48 min
